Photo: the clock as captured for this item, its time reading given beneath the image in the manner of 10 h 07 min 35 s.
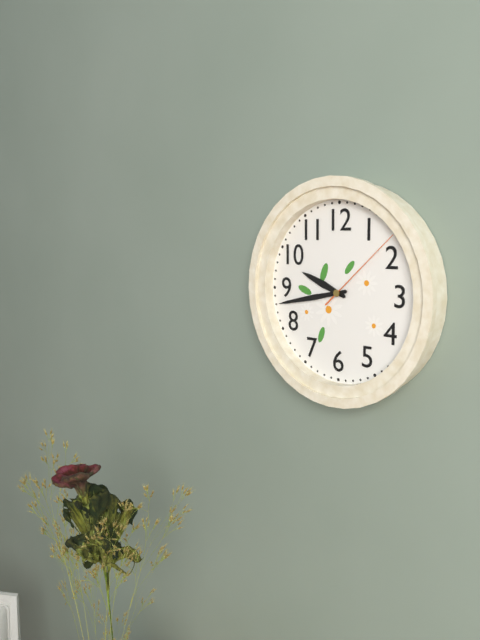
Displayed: 9 h 43 min 08 s
